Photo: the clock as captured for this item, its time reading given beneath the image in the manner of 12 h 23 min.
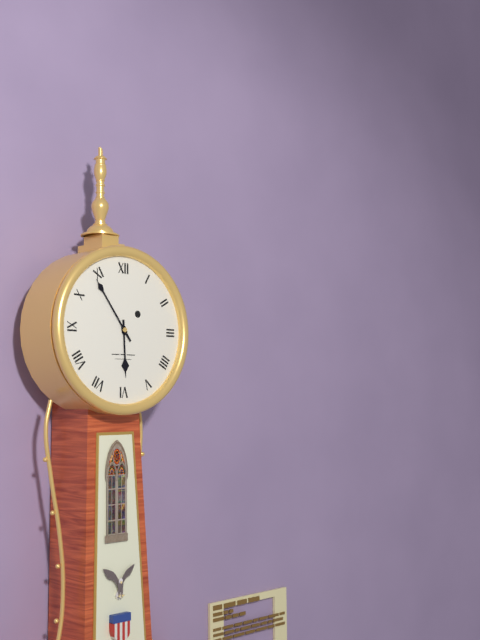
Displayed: 5 h 54 min
